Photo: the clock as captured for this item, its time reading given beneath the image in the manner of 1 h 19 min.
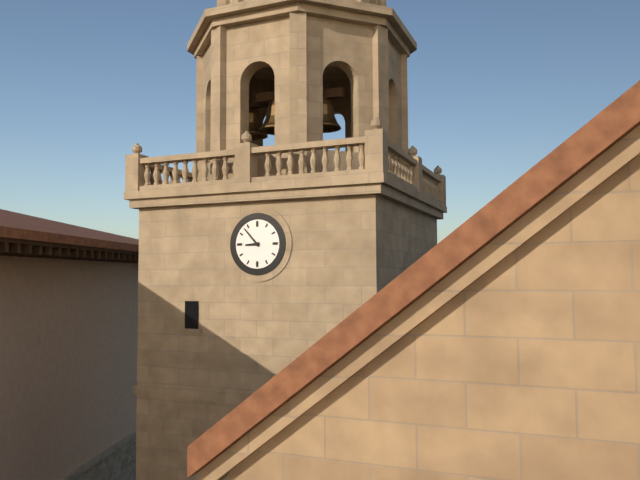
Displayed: 8 h 53 min
